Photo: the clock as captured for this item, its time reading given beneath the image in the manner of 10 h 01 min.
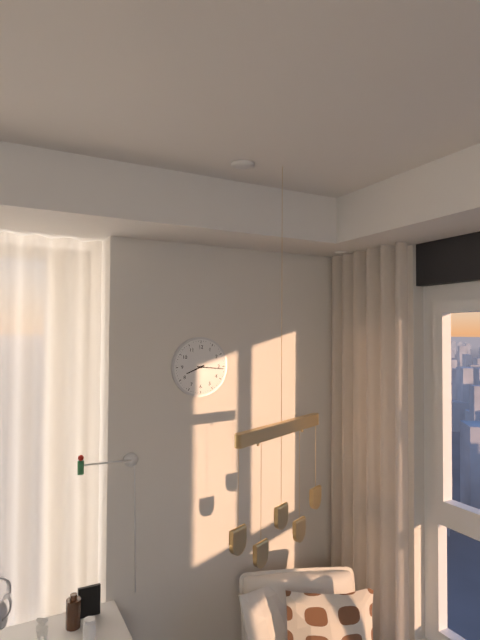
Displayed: 8 h 16 min
